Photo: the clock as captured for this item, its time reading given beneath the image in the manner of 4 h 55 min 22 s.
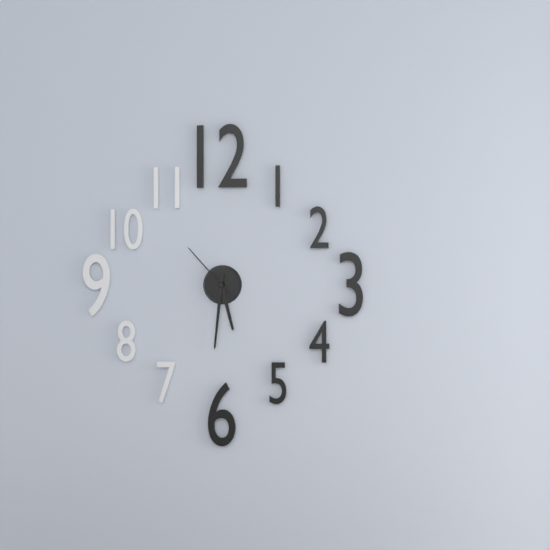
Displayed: 5 h 31 min 53 s
